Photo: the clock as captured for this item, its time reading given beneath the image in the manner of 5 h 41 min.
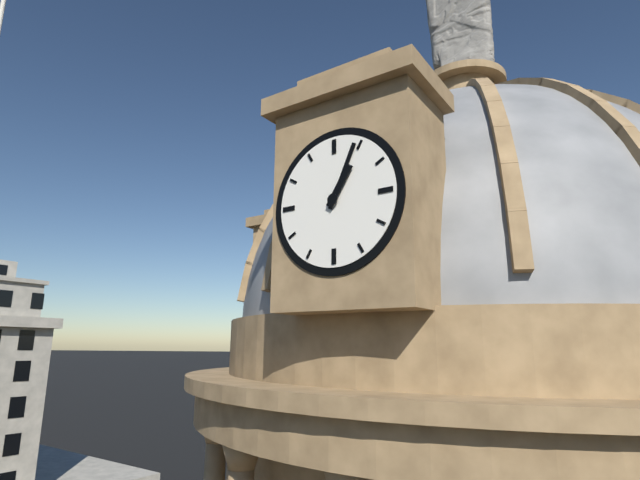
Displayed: 1 h 04 min
